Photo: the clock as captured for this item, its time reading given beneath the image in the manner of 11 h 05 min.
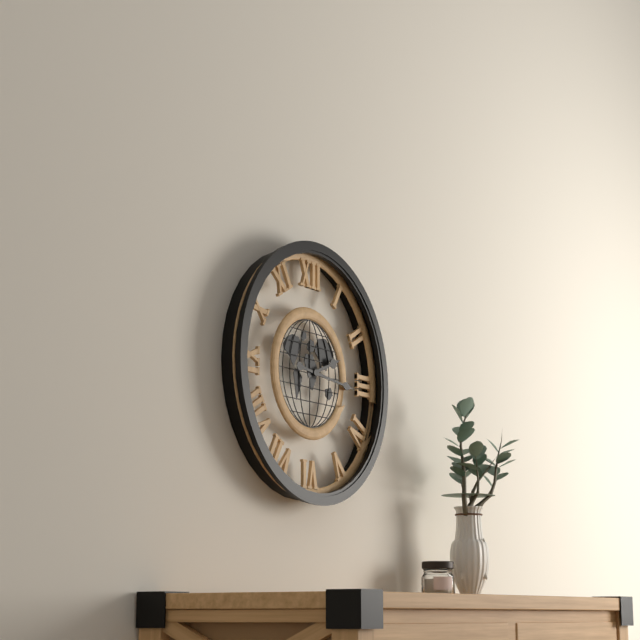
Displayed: 2 h 16 min
